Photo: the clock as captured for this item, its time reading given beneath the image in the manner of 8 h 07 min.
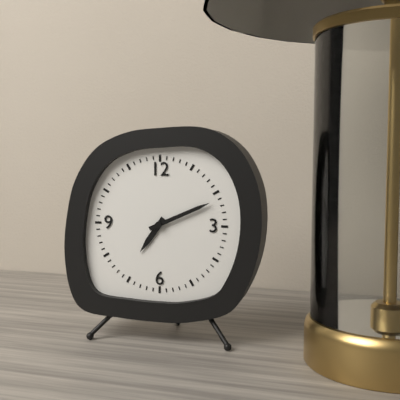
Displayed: 7 h 11 min
